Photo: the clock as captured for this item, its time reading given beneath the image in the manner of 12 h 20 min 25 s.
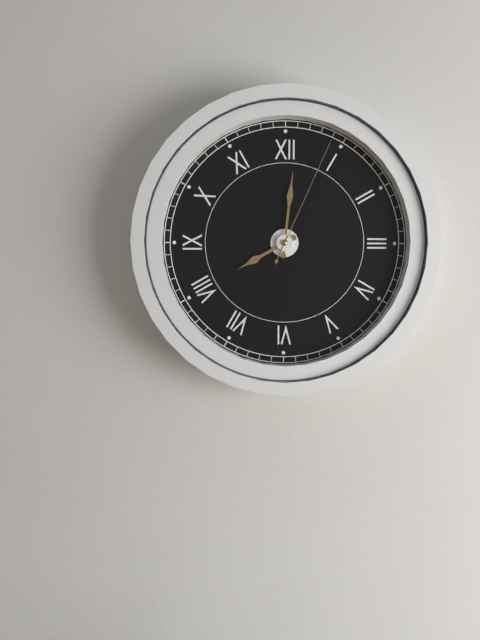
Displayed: 8 h 01 min 04 s
